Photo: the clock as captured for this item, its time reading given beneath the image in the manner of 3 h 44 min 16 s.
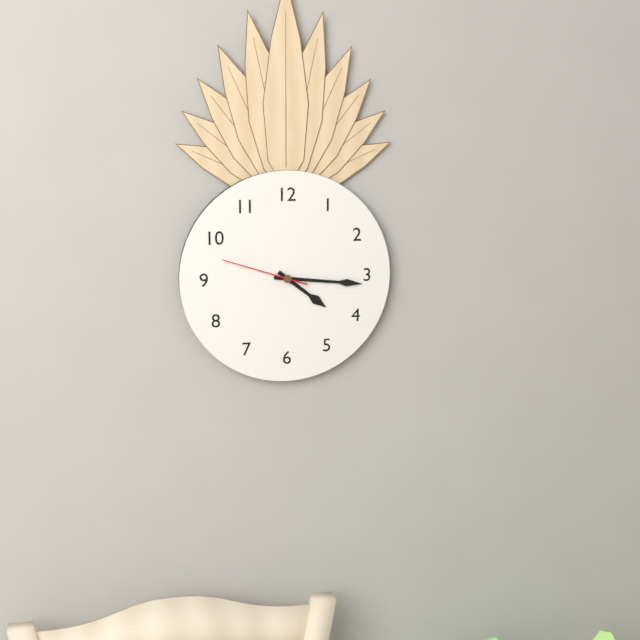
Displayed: 4 h 16 min 48 s
